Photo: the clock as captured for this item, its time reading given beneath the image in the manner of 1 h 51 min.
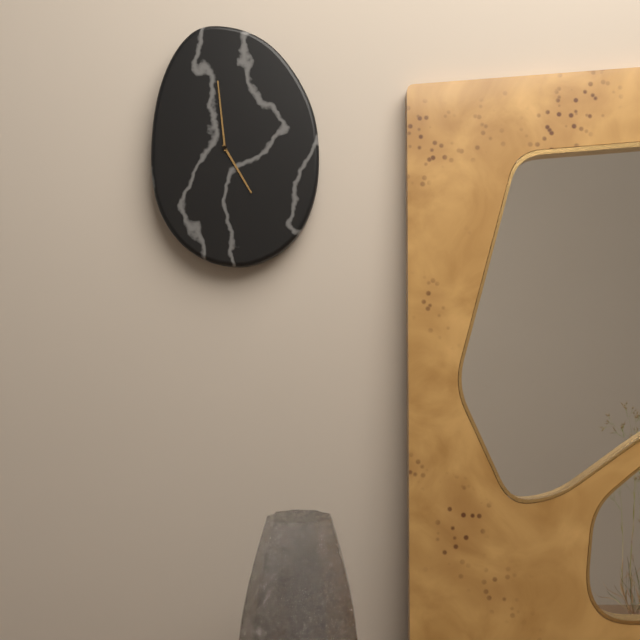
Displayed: 4 h 59 min
